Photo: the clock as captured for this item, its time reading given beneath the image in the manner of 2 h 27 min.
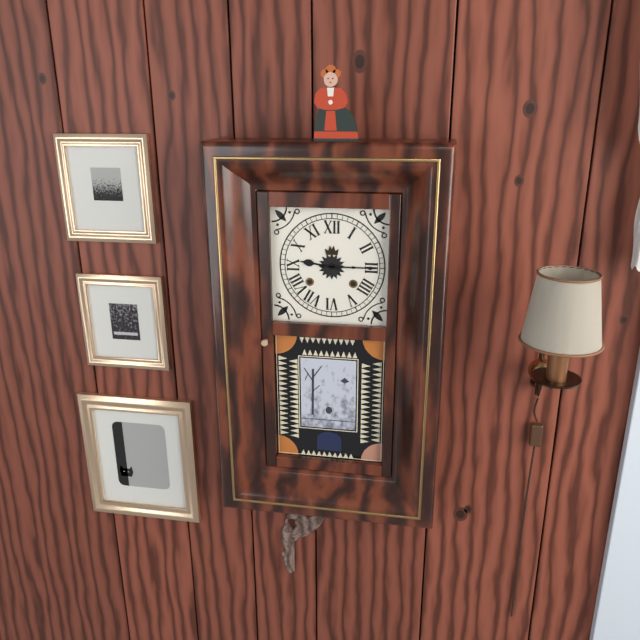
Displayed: 9 h 15 min
